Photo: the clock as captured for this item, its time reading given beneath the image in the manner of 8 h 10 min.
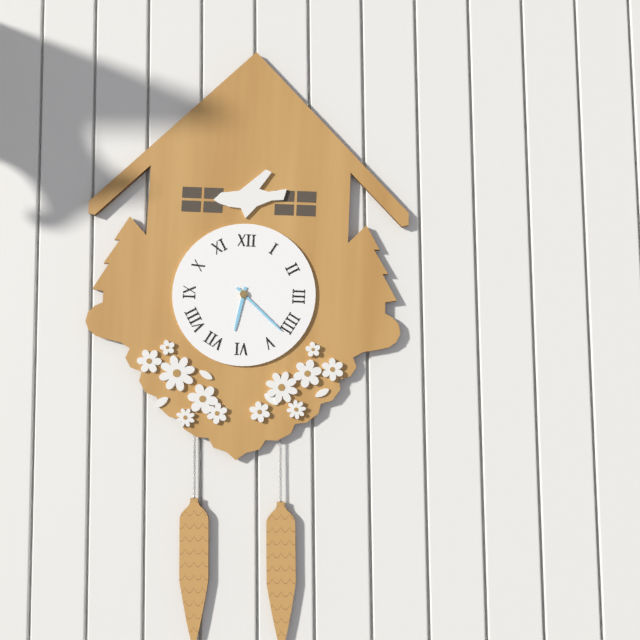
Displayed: 6 h 22 min
